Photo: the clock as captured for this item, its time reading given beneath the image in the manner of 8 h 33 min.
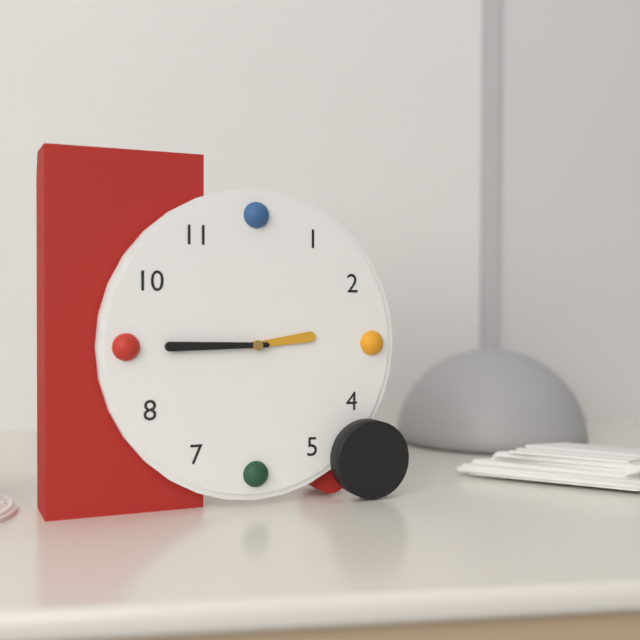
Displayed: 2 h 45 min
